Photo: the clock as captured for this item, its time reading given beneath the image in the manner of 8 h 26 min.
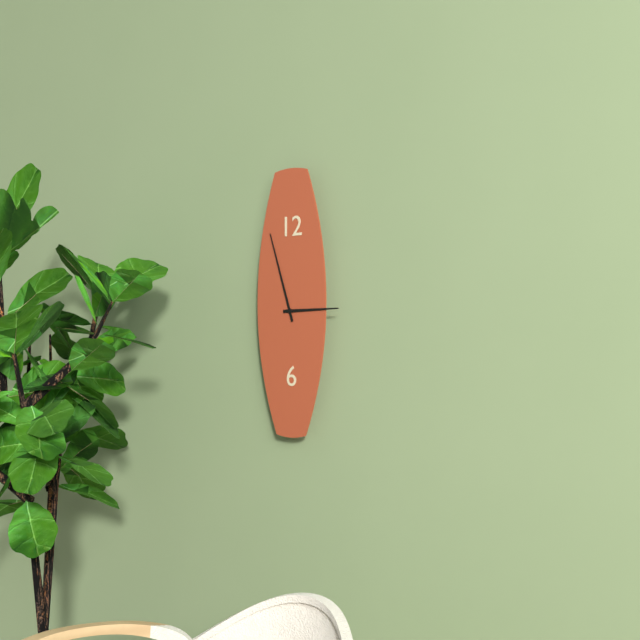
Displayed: 2 h 57 min
